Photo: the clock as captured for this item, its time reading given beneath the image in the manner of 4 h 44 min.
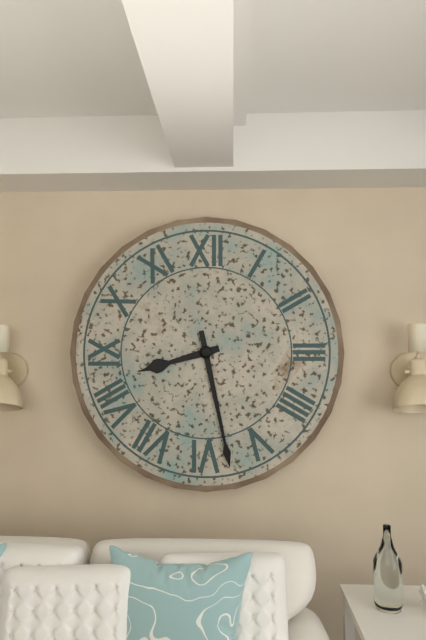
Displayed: 8 h 28 min
